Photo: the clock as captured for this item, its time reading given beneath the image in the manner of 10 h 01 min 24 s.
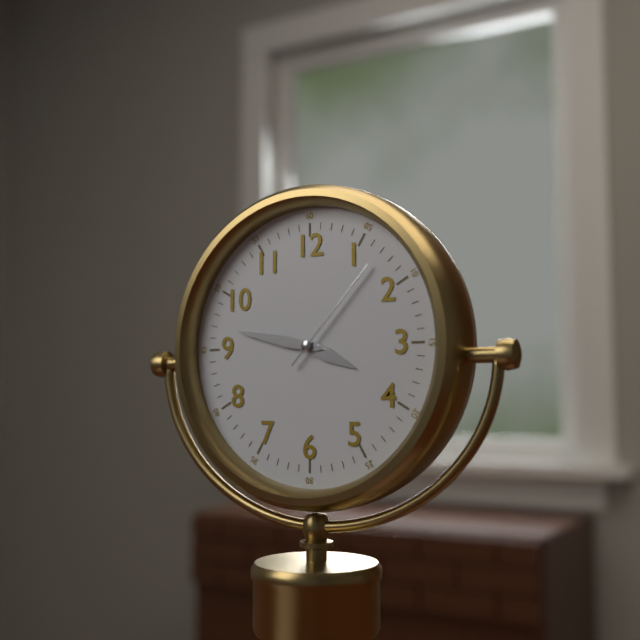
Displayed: 3 h 47 min 07 s
